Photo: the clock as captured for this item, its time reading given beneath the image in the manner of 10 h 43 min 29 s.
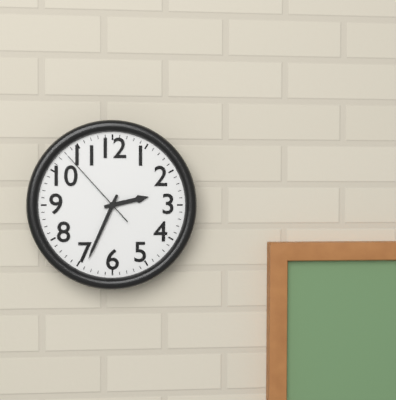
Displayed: 2 h 34 min 53 s
